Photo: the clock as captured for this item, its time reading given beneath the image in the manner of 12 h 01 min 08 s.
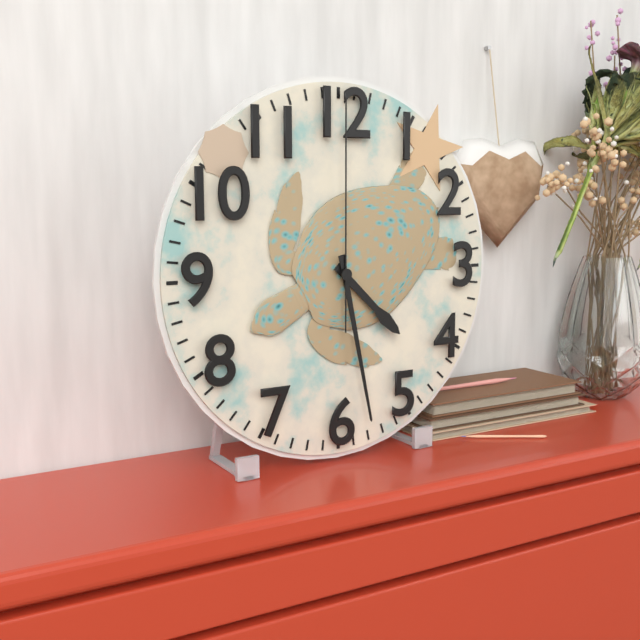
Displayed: 4 h 28 min 00 s
